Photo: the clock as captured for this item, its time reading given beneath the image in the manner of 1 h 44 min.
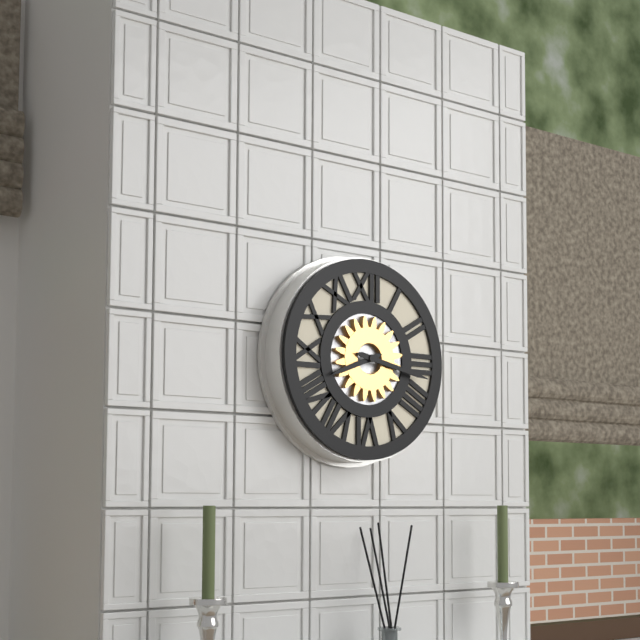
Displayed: 8 h 17 min
